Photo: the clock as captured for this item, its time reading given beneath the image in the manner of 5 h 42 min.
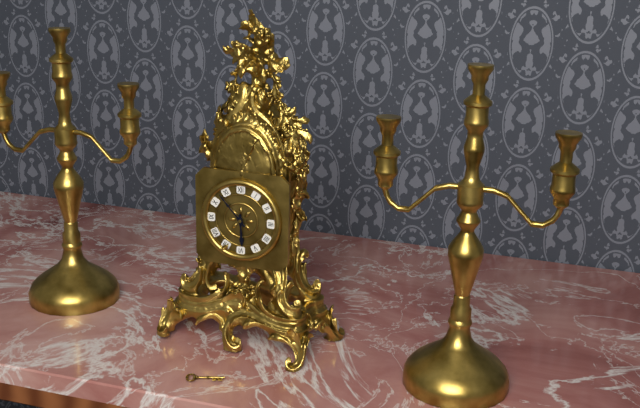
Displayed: 5 h 53 min
